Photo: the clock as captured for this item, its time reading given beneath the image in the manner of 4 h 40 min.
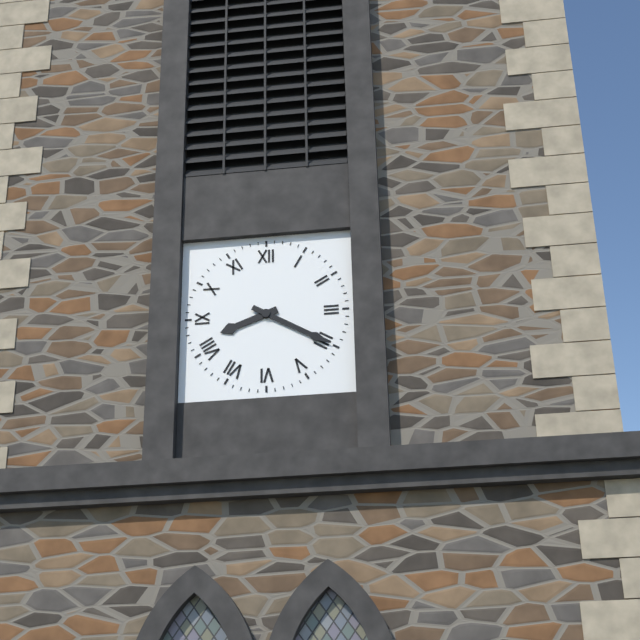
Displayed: 8 h 20 min
